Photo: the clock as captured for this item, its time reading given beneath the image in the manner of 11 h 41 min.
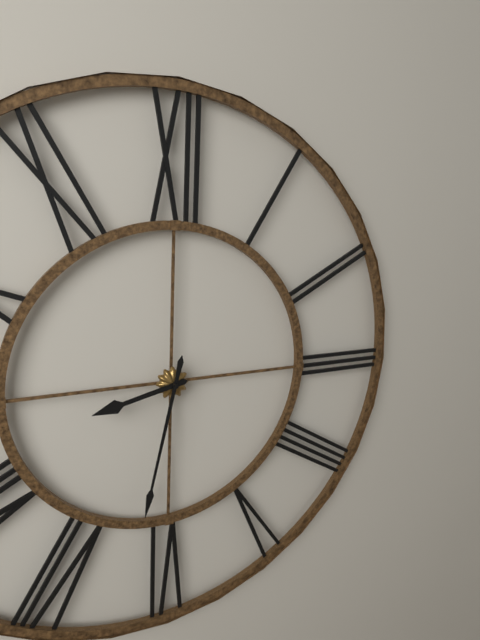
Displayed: 8 h 32 min
